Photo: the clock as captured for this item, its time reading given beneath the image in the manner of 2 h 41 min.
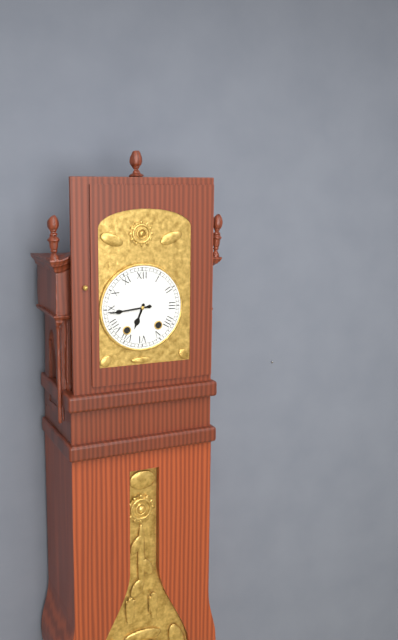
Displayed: 6 h 44 min
